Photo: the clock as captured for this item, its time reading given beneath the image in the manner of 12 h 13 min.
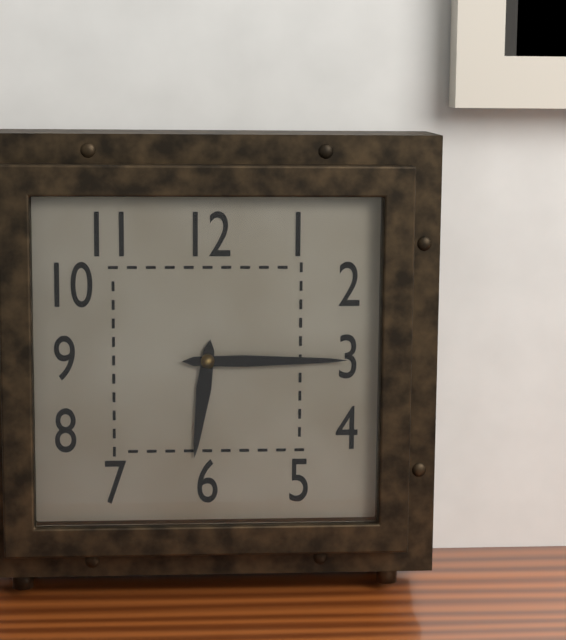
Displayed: 6 h 15 min
